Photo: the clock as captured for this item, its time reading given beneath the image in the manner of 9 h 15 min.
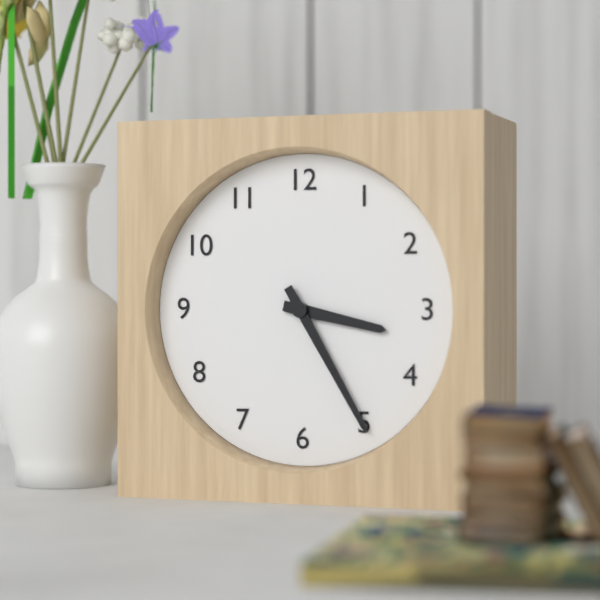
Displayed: 3 h 25 min
